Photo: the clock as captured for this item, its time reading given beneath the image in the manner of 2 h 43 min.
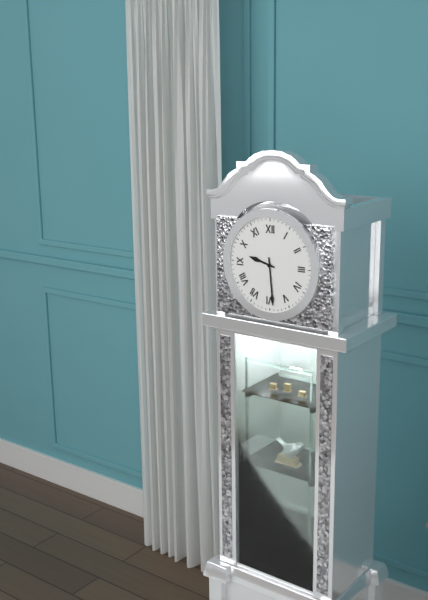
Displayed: 9 h 29 min
